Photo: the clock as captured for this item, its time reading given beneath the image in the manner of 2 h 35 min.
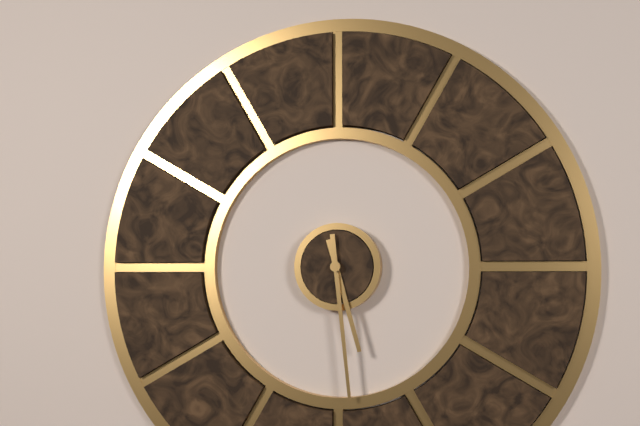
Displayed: 5 h 29 min
